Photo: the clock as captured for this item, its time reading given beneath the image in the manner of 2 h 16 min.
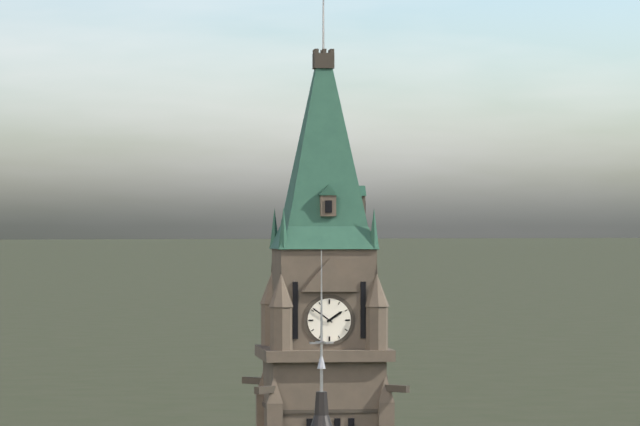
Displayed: 1 h 51 min
